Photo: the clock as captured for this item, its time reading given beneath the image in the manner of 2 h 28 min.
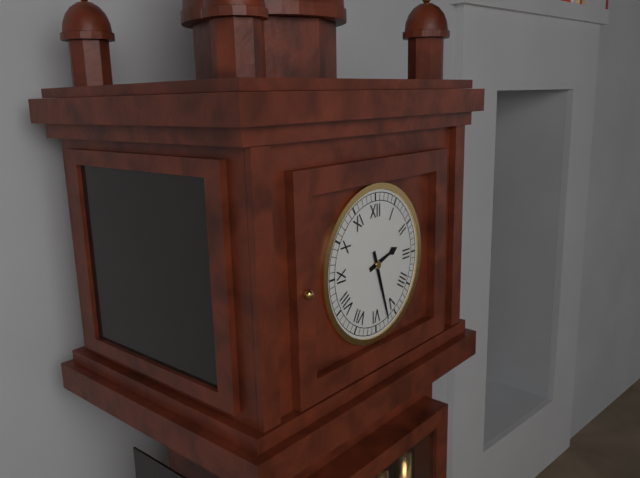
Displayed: 2 h 27 min
